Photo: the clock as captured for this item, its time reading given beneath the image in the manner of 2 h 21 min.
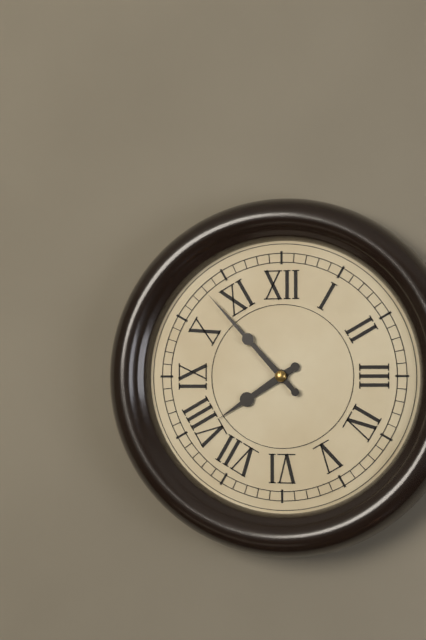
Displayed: 7 h 53 min
